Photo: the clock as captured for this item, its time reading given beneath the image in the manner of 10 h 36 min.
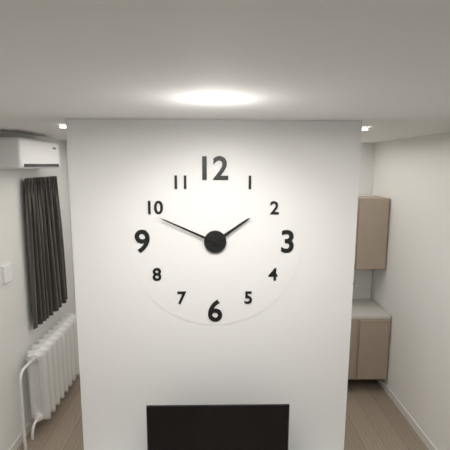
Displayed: 1 h 49 min
